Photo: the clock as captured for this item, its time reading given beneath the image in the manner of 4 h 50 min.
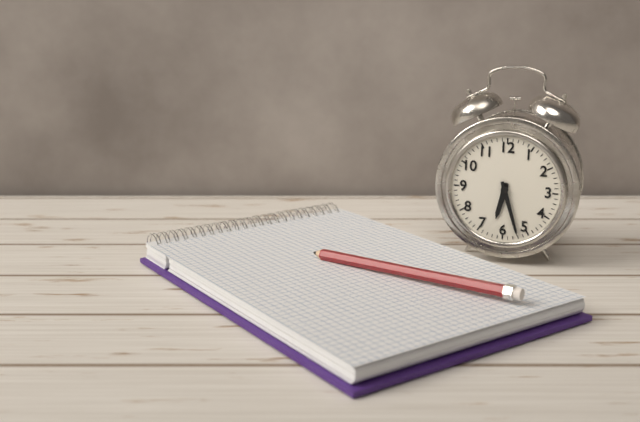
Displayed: 6 h 27 min
